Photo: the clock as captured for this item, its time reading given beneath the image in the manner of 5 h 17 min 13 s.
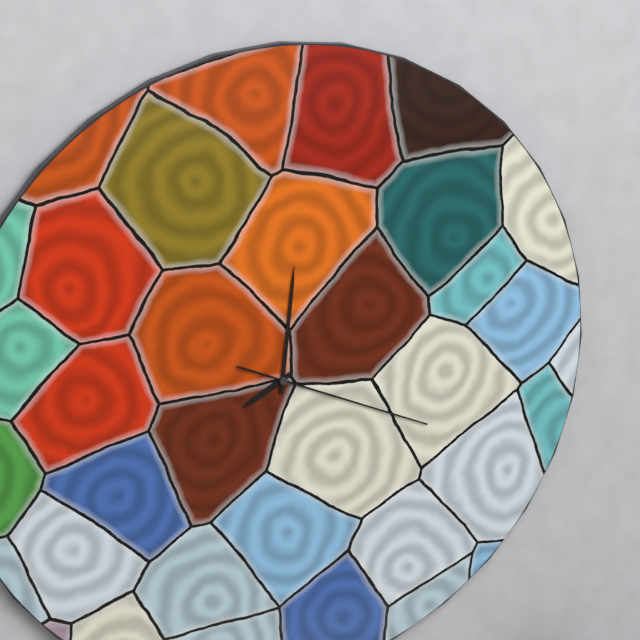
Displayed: 8 h 01 min 19 s
